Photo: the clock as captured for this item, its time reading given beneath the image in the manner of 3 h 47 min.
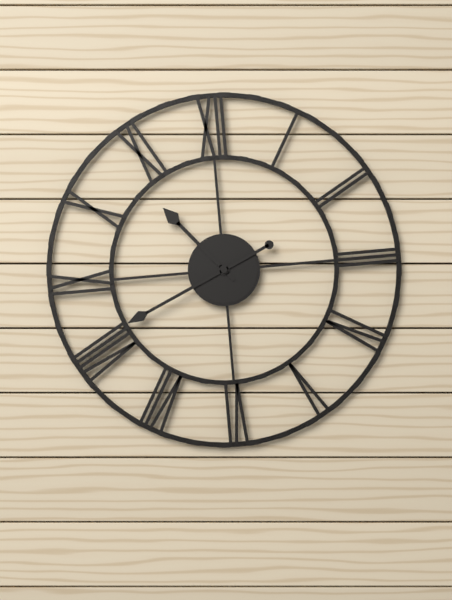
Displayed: 10 h 41 min
